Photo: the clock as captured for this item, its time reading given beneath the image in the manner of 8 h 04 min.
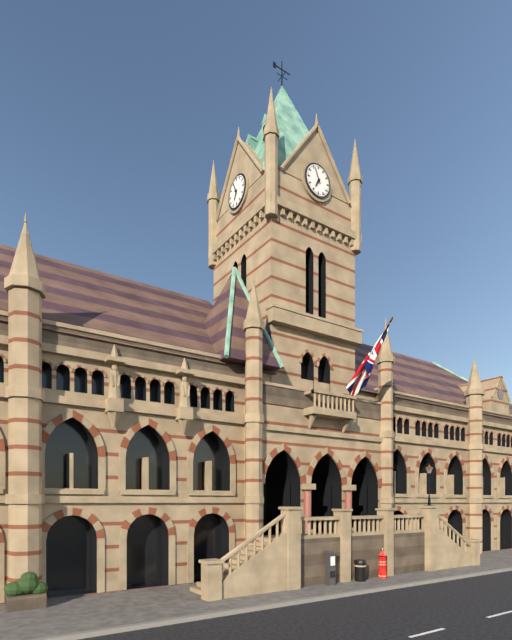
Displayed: 6 h 56 min
